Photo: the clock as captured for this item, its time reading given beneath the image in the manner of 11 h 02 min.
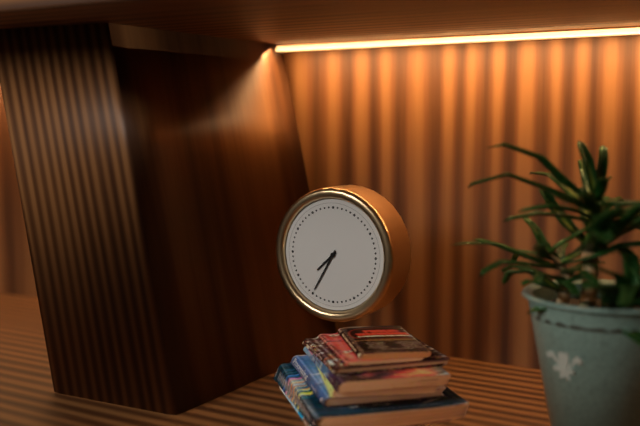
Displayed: 7 h 35 min
